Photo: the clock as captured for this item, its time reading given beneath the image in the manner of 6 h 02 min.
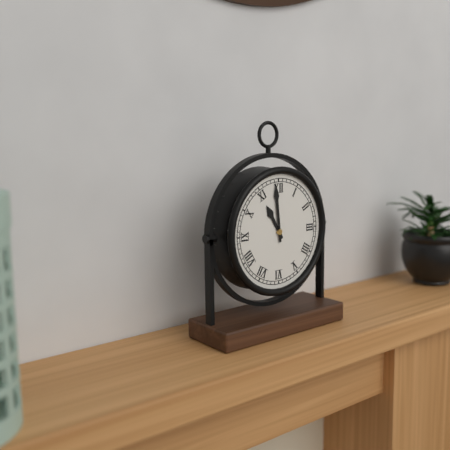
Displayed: 10 h 59 min
